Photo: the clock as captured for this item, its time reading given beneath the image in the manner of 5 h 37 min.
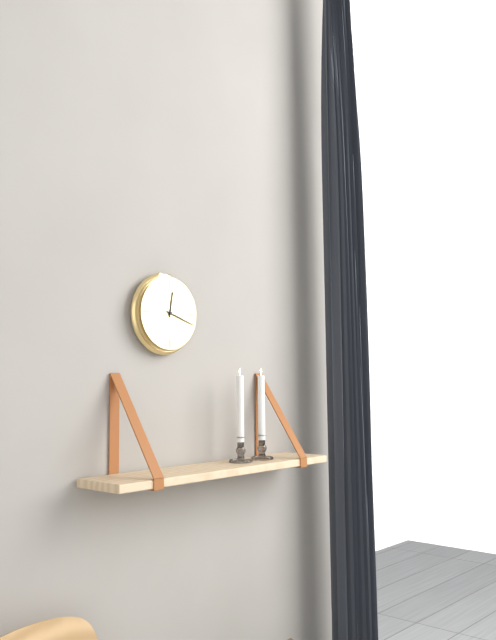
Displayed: 12 h 18 min
